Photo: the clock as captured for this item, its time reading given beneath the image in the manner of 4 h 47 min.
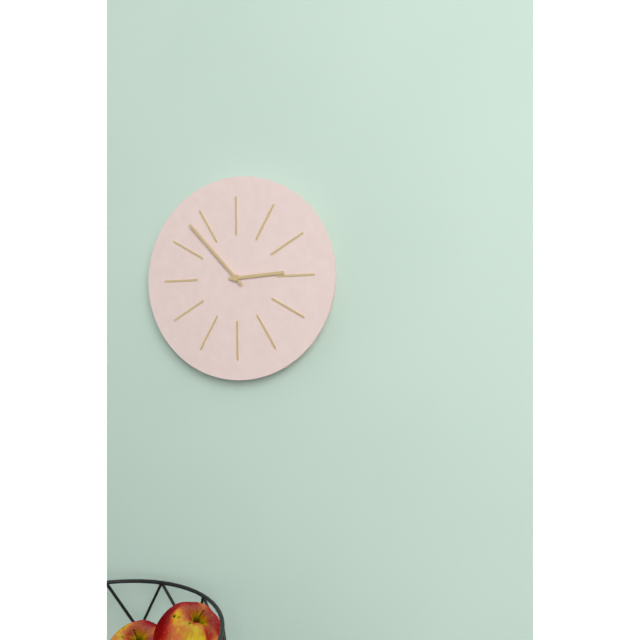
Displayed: 2 h 53 min
